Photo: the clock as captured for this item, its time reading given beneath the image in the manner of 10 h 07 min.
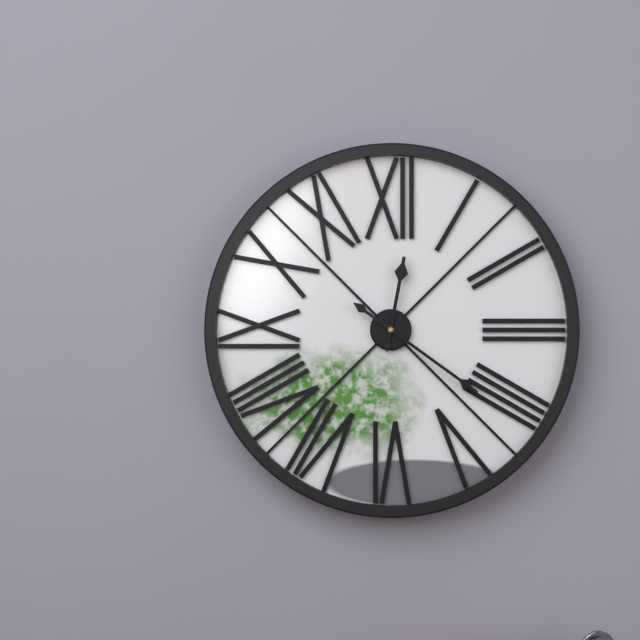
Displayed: 12 h 21 min
